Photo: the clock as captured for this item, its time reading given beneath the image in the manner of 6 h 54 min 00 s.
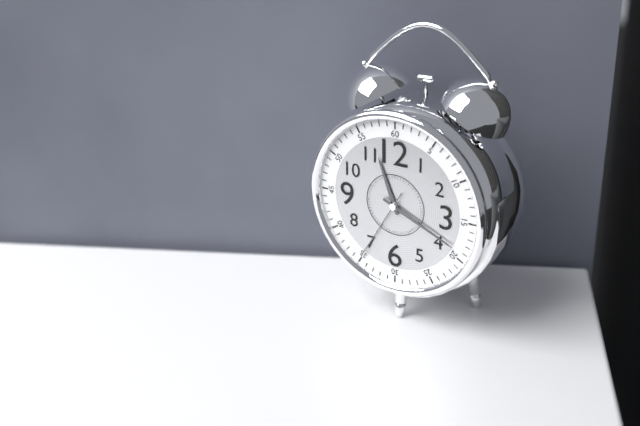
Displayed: 11 h 19 min 35 s
